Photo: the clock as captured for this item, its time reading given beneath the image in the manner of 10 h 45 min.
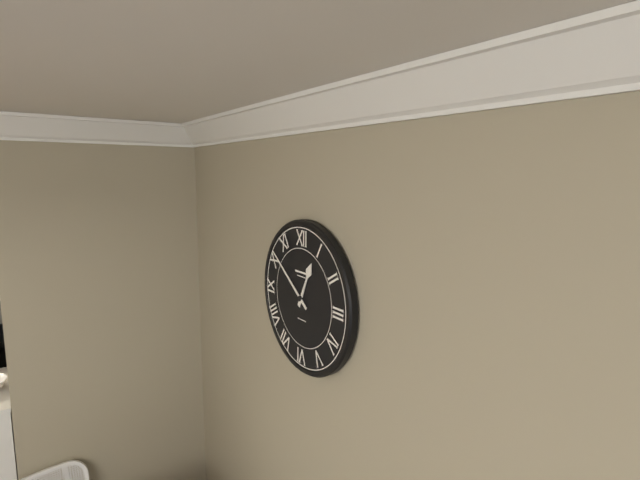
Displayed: 12 h 51 min
